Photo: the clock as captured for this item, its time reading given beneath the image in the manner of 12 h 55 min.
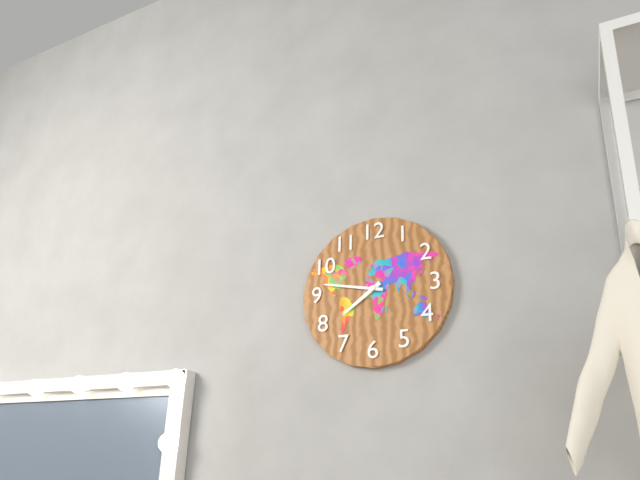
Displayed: 7 h 47 min
